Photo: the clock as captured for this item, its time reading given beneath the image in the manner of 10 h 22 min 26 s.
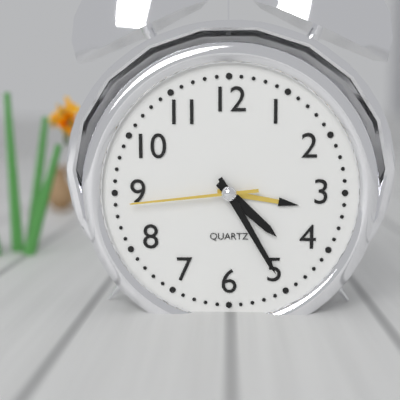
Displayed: 4 h 25 min 44 s
